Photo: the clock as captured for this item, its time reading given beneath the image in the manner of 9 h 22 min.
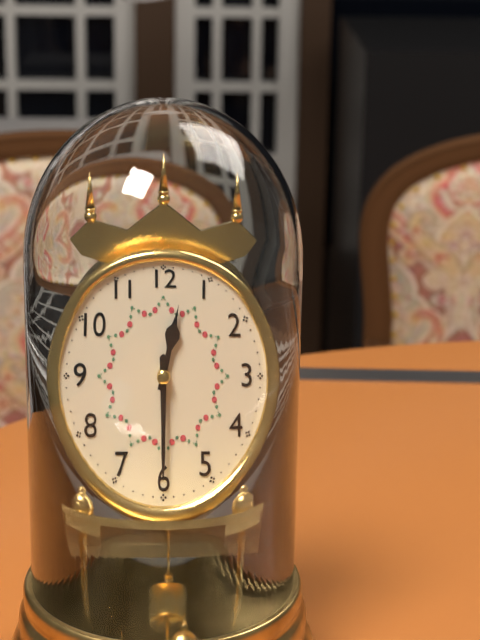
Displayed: 12 h 30 min
